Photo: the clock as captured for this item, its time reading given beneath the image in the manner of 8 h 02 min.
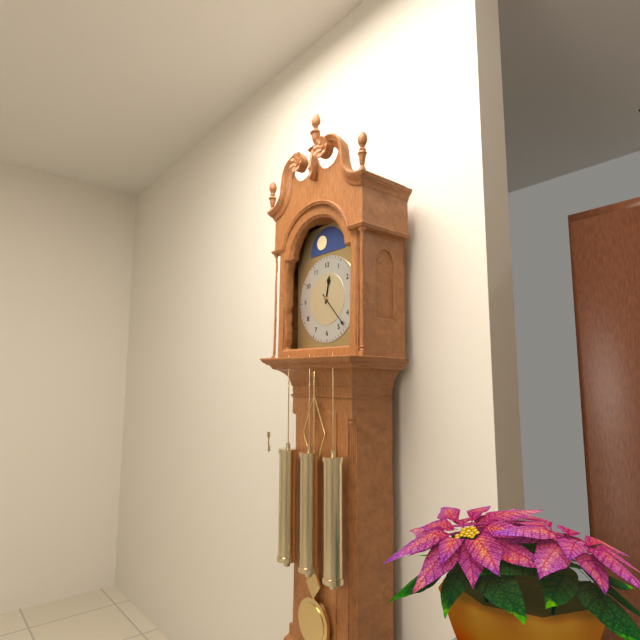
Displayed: 12 h 23 min
